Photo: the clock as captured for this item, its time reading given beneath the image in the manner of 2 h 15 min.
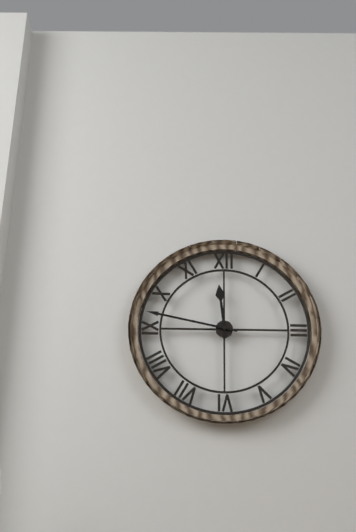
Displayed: 11 h 47 min
